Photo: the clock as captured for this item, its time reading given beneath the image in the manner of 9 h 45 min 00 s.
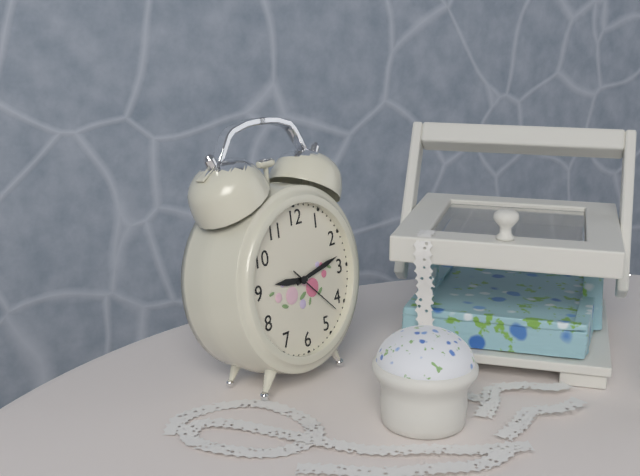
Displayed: 9 h 13 min 22 s
